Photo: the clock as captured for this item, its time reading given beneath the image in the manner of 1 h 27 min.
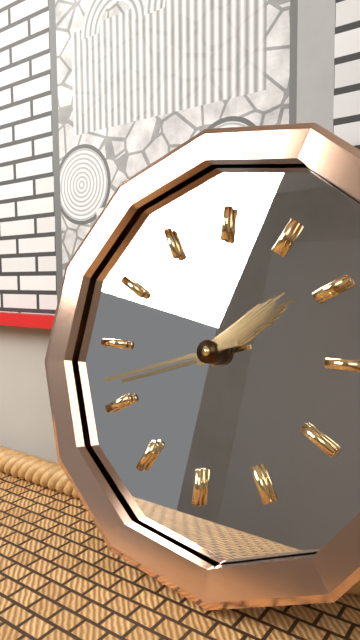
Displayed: 1 h 42 min
